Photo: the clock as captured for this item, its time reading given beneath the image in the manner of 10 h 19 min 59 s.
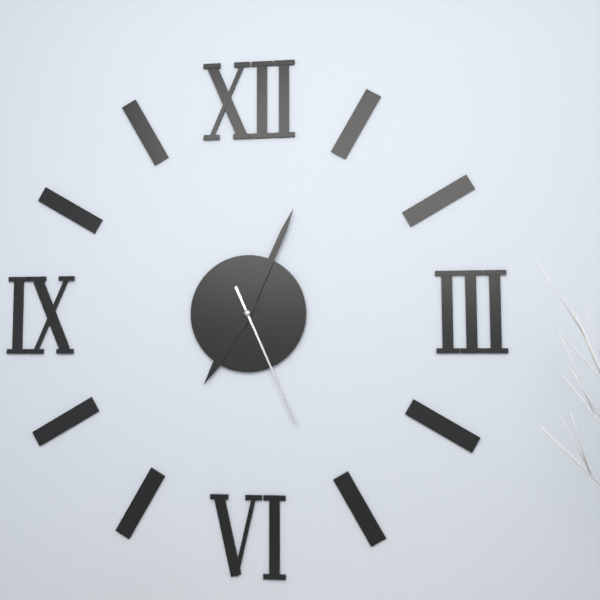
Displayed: 7 h 04 min 26 s
